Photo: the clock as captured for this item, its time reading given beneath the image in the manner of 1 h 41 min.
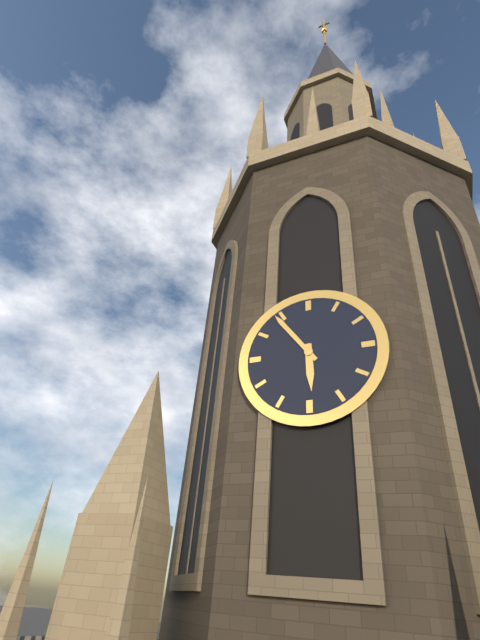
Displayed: 5 h 54 min
